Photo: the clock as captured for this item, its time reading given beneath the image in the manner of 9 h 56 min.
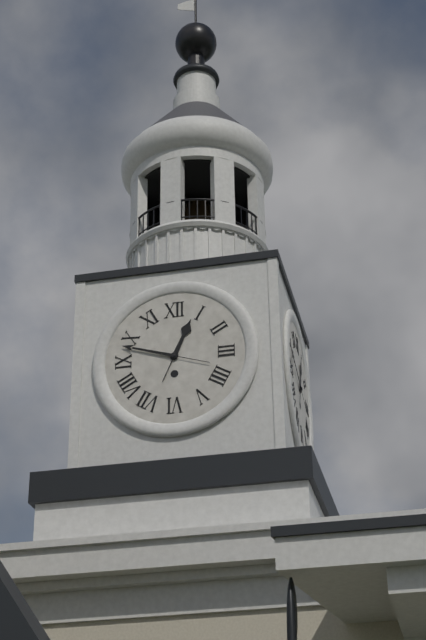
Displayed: 12 h 48 min
